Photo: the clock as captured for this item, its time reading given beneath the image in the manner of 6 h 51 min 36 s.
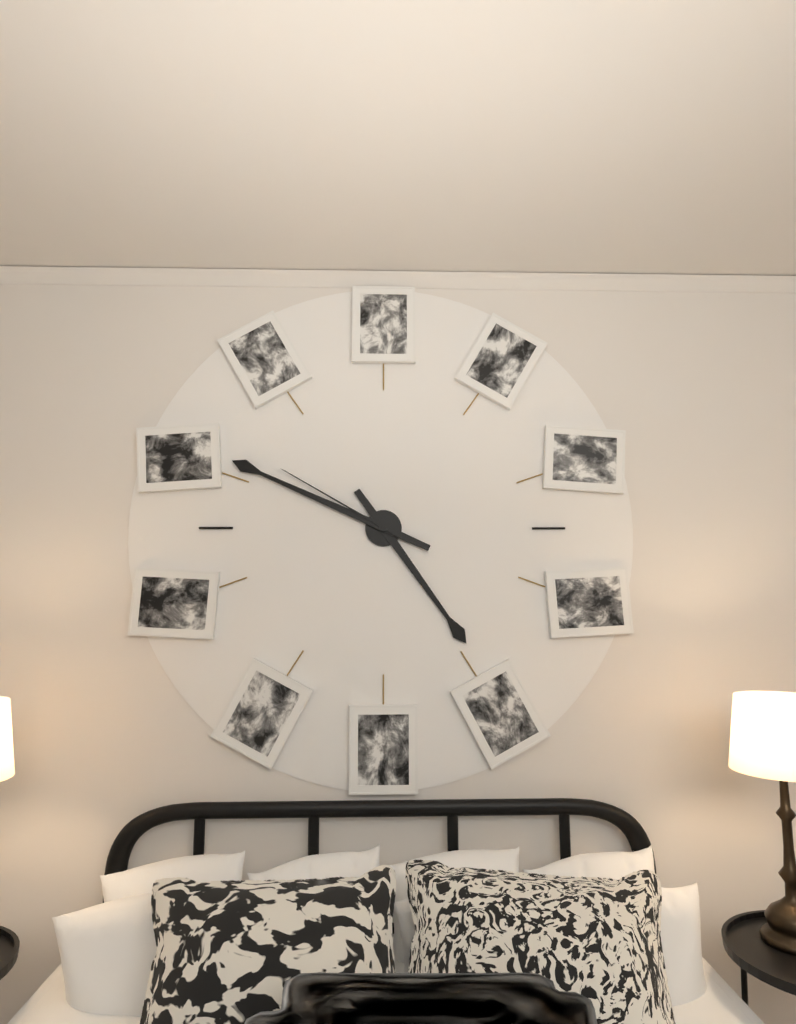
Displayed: 4 h 49 min 50 s
